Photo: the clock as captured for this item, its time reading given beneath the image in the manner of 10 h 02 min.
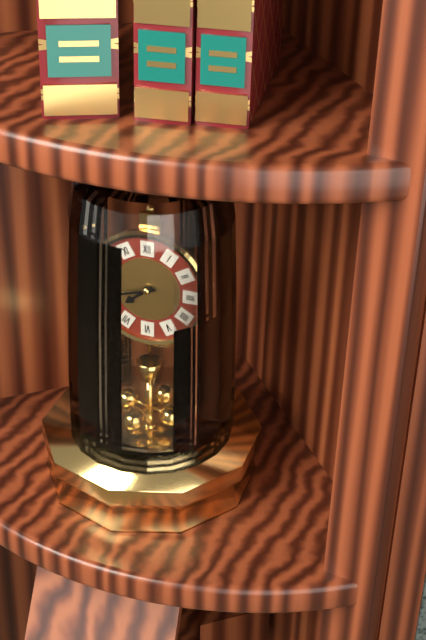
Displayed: 7 h 42 min
